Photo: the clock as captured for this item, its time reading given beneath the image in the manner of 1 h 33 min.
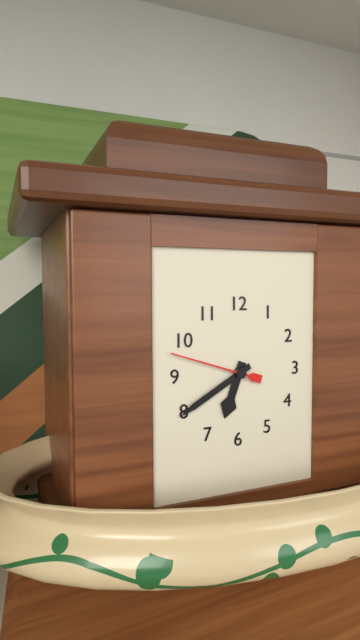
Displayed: 6 h 40 min
